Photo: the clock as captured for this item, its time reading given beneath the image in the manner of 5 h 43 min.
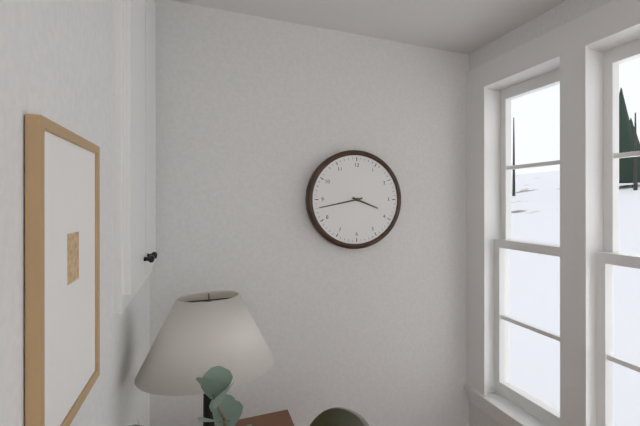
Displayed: 3 h 43 min
